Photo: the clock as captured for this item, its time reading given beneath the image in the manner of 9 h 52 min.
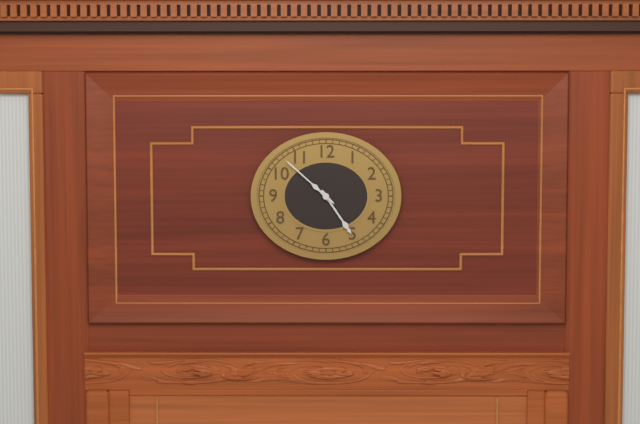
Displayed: 4 h 52 min
